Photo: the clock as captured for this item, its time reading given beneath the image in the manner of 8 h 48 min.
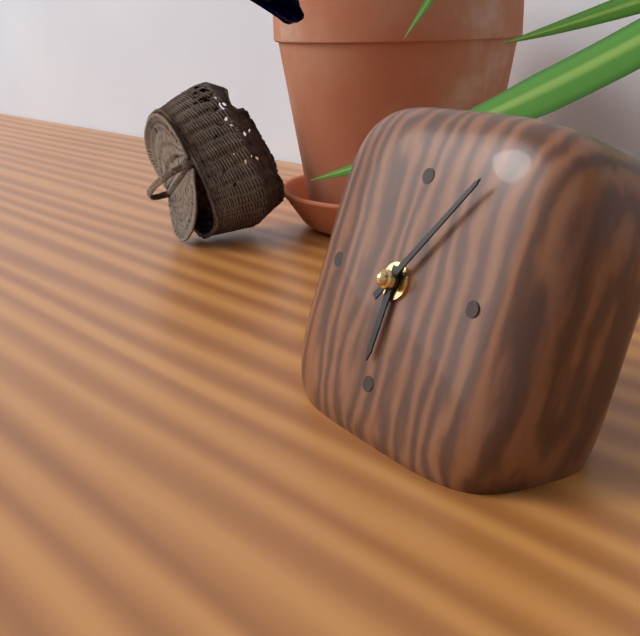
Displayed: 6 h 06 min
